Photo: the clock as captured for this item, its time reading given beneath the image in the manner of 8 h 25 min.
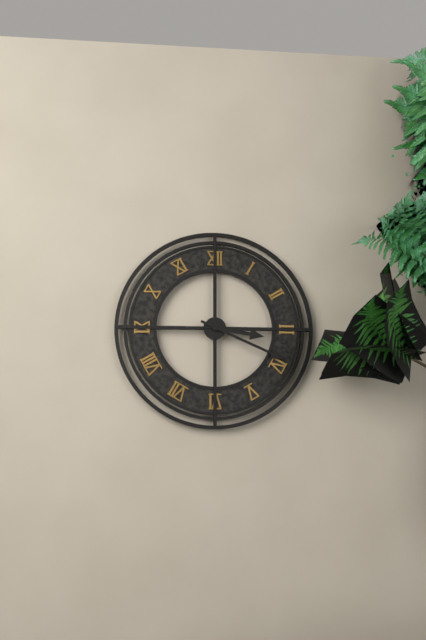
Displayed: 3 h 19 min
